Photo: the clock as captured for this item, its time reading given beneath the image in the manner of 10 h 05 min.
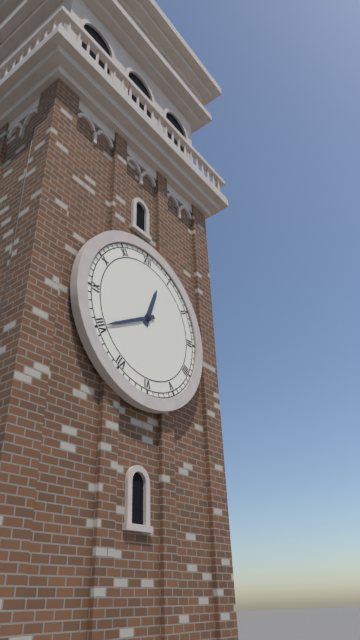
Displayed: 12 h 40 min
